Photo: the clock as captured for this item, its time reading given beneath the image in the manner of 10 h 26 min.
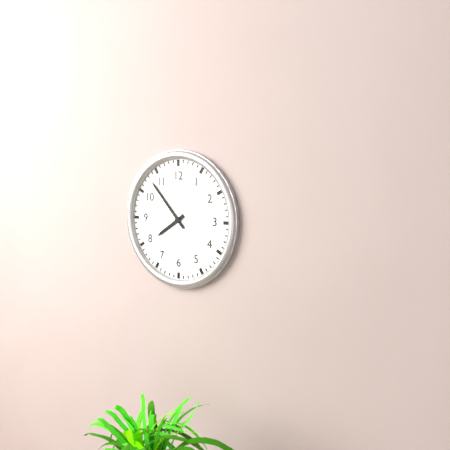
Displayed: 7 h 53 min
